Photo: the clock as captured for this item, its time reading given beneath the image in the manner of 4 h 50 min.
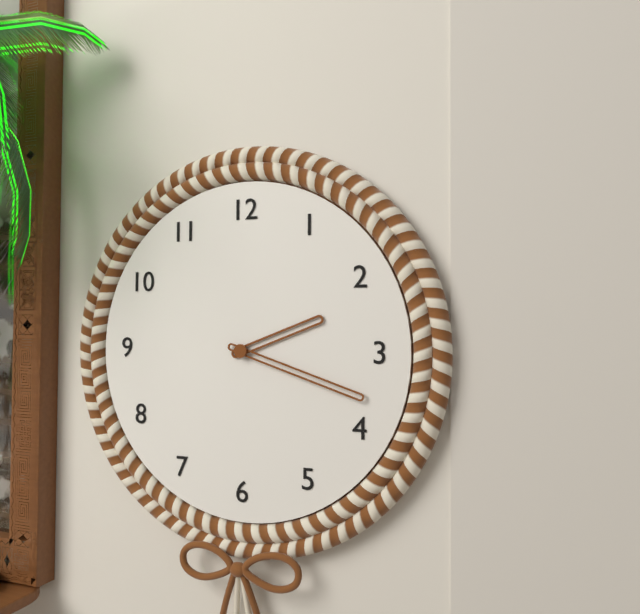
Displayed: 2 h 18 min
